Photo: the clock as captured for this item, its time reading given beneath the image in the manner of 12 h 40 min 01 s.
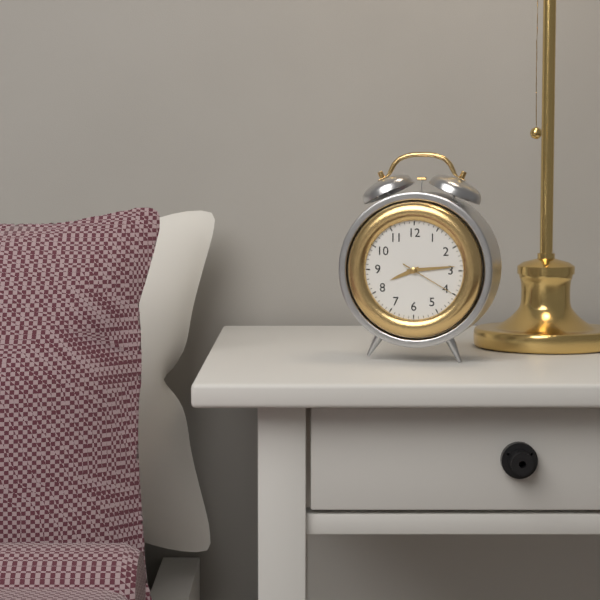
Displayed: 8 h 14 min 20 s
